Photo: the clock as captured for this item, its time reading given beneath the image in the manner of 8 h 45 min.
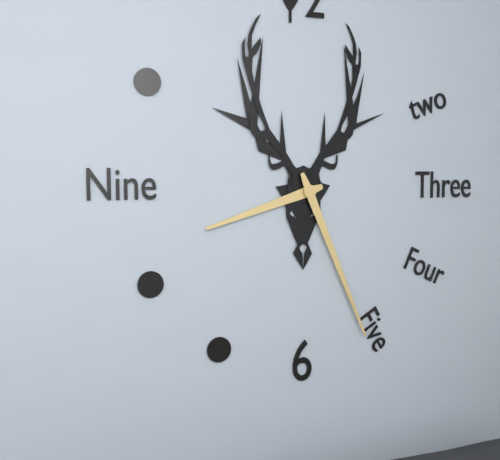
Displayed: 8 h 26 min
